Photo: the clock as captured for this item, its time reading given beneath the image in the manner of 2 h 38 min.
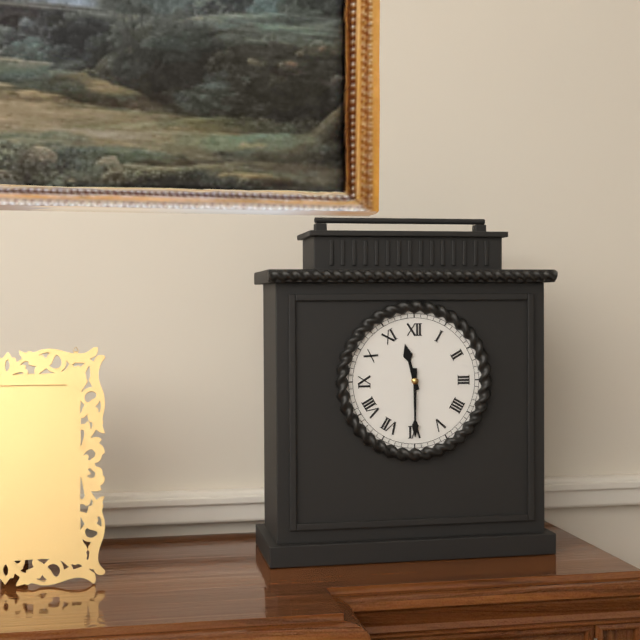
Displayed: 11 h 30 min
